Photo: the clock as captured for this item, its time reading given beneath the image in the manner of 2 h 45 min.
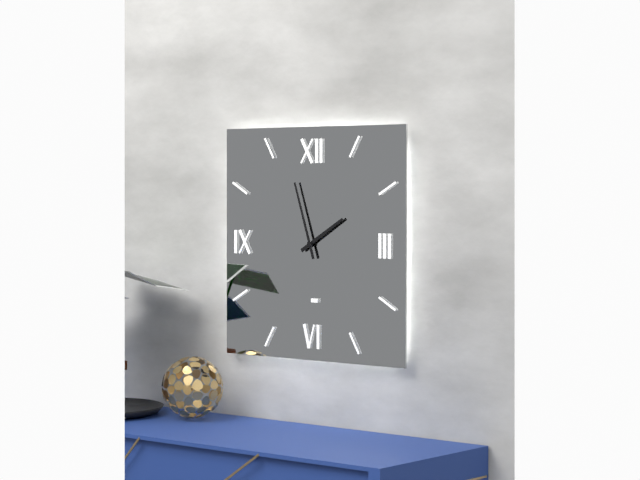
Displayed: 1 h 57 min
